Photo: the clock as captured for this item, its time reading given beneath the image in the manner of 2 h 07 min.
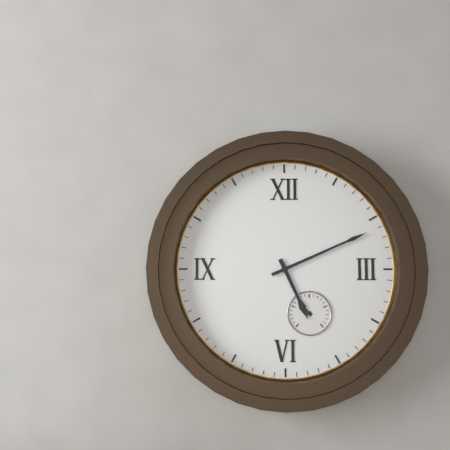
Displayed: 5 h 11 min
